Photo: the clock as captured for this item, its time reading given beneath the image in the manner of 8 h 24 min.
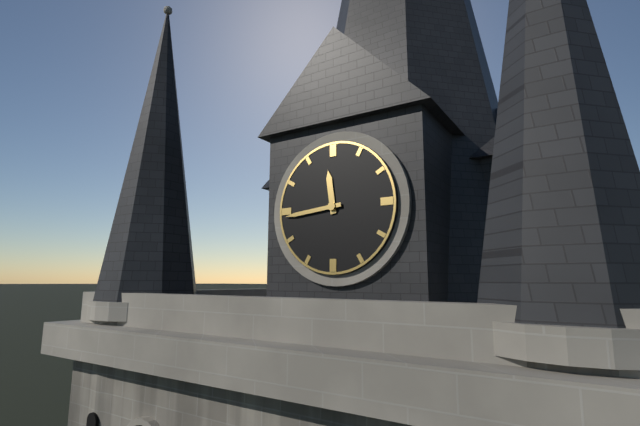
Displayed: 11 h 44 min
